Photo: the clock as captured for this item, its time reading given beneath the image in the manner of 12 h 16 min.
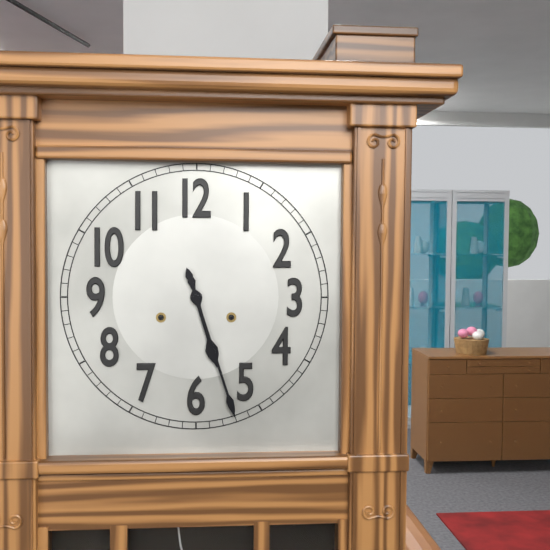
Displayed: 5 h 27 min
